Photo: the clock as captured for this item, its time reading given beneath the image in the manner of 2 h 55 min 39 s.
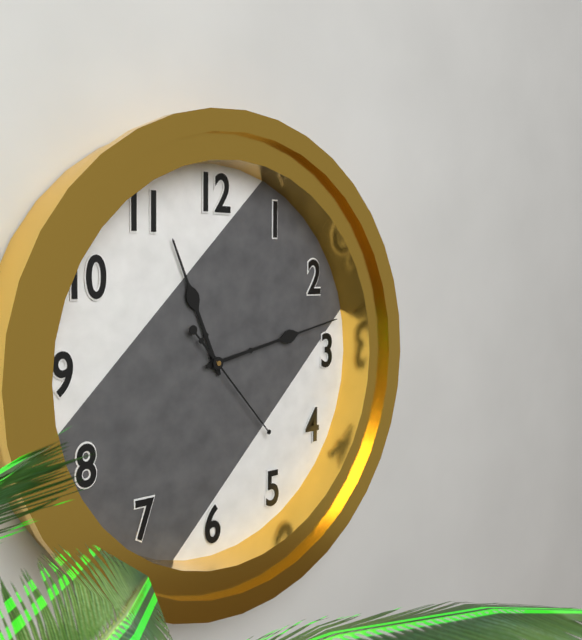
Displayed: 11 h 13 min 23 s
